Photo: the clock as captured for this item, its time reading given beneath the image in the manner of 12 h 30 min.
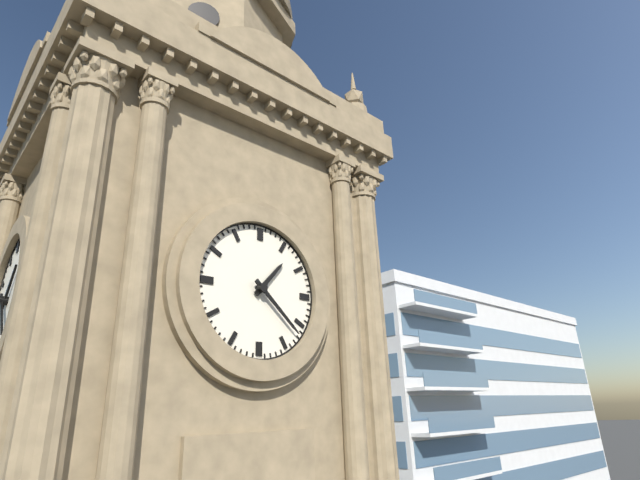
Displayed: 1 h 22 min
